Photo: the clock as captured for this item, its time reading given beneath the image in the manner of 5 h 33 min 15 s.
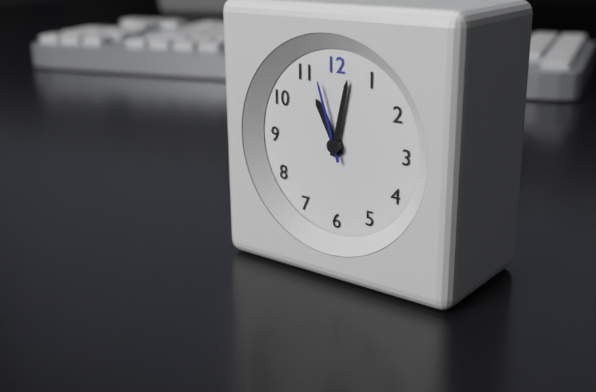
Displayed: 11 h 02 min 57 s
